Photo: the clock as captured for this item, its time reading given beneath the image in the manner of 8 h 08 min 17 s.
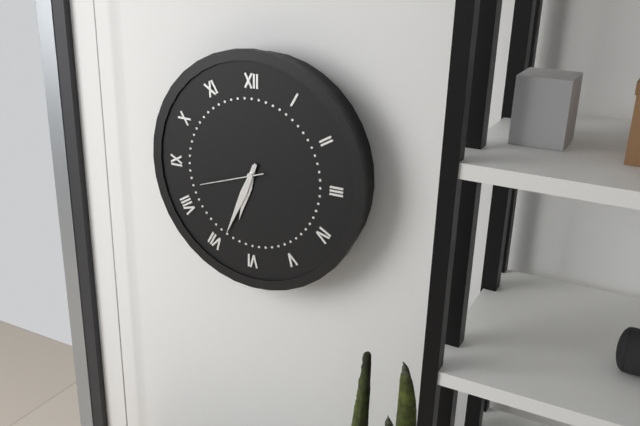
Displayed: 6 h 34 min 42 s
